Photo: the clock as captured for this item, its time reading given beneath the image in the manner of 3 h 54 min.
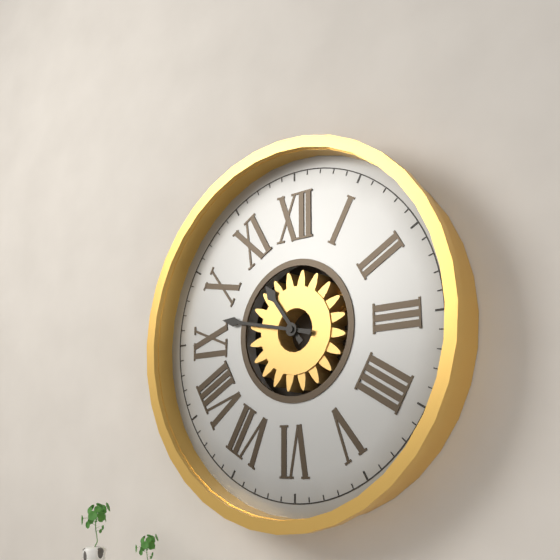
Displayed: 10 h 47 min
